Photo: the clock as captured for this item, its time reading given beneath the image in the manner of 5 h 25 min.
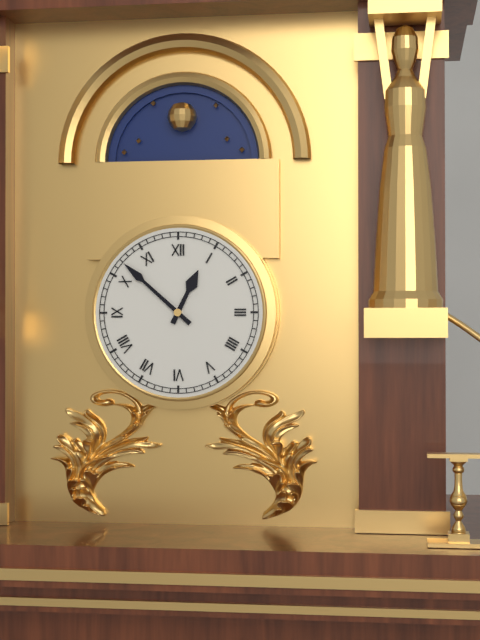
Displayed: 12 h 52 min
